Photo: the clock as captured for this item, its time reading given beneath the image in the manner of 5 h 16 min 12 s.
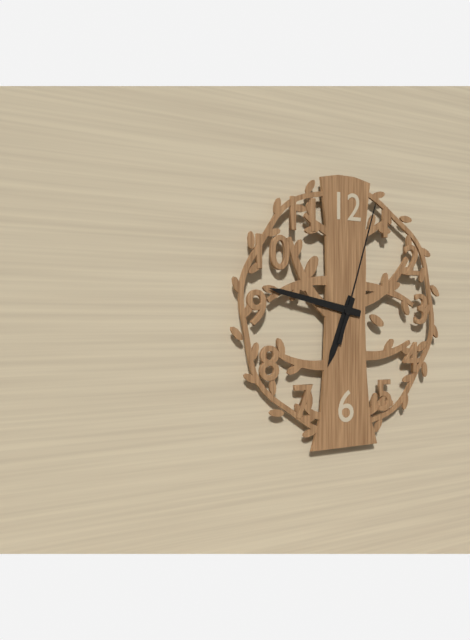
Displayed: 6 h 47 min 03 s
